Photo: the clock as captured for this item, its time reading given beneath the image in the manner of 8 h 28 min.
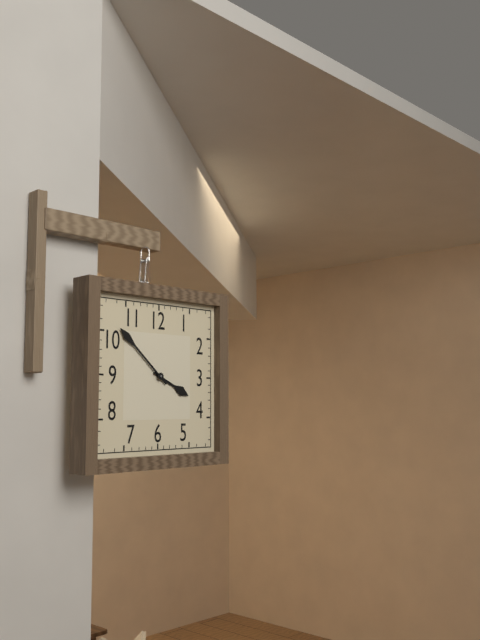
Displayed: 3 h 52 min
